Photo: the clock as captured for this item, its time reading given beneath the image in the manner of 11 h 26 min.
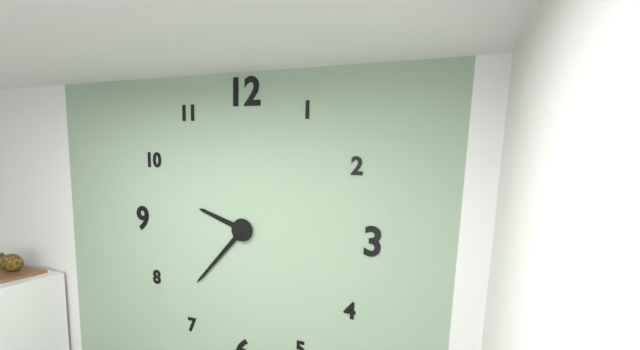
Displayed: 9 h 37 min
